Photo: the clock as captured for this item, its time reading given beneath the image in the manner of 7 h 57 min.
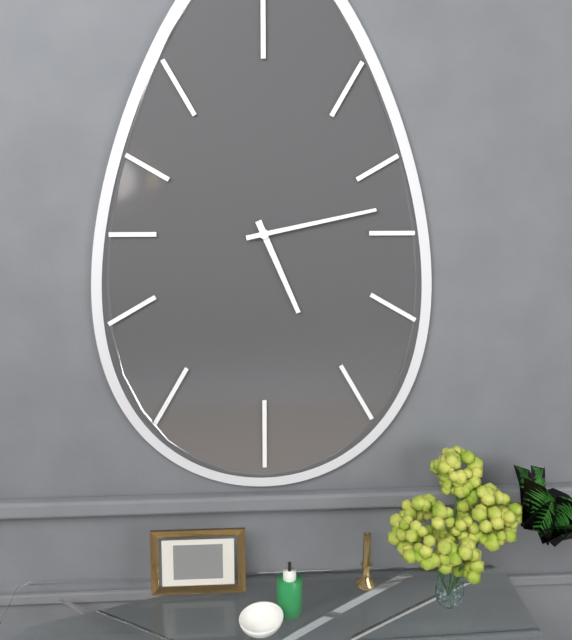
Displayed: 5 h 13 min
